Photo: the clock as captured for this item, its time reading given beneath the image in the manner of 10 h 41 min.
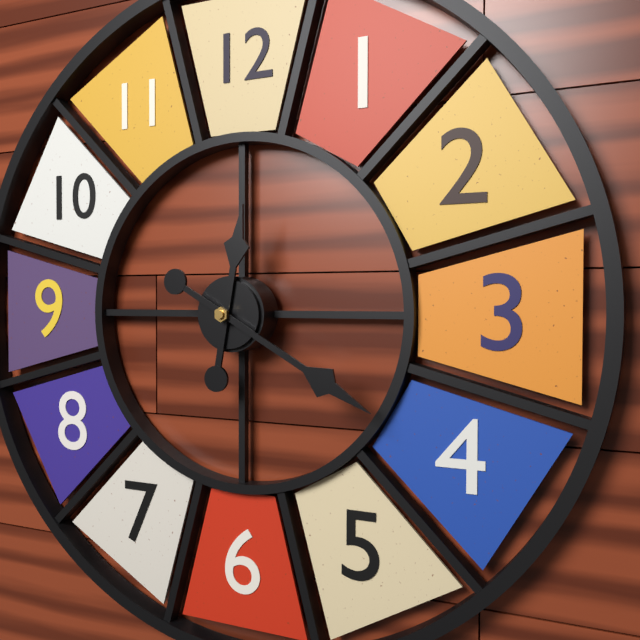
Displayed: 12 h 20 min
